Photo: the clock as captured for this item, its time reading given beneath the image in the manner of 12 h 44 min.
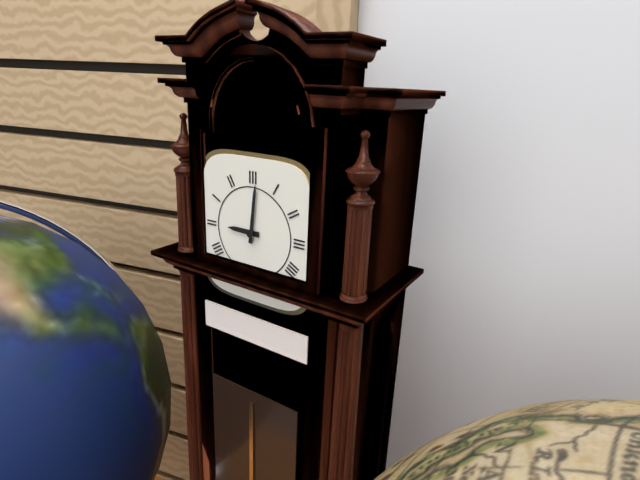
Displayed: 9 h 01 min
